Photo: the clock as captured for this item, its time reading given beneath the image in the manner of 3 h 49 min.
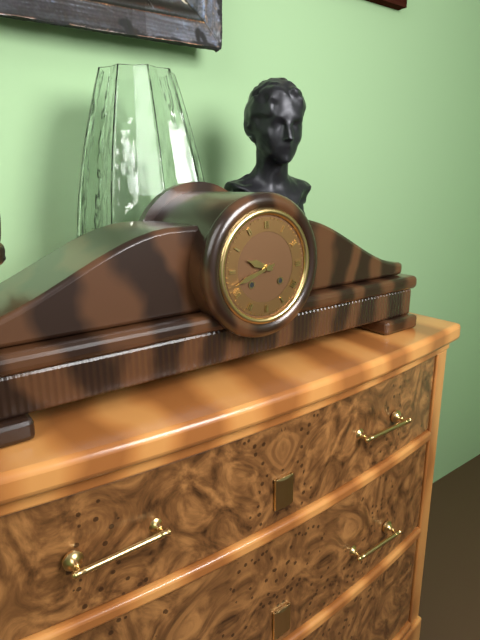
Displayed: 9 h 42 min
